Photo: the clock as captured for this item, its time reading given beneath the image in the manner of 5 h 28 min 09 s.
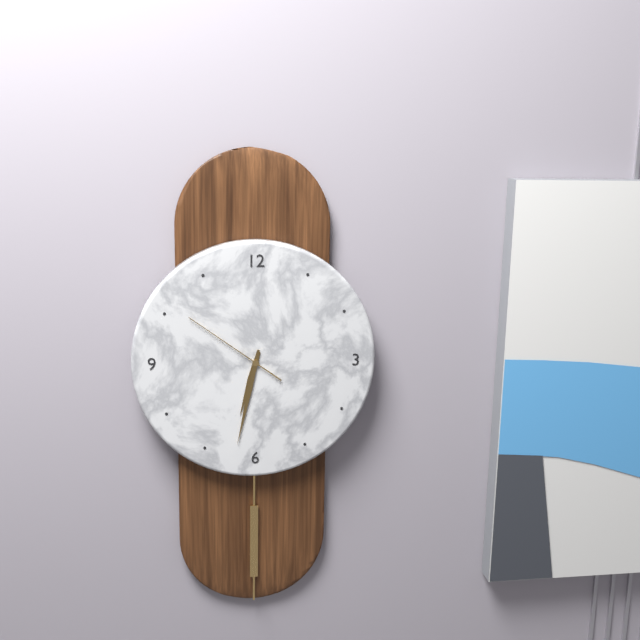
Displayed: 6 h 32 min 51 s
